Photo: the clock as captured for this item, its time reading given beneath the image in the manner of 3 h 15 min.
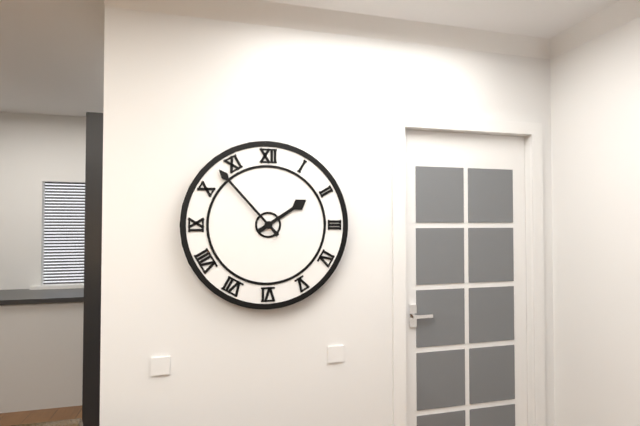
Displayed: 1 h 53 min
